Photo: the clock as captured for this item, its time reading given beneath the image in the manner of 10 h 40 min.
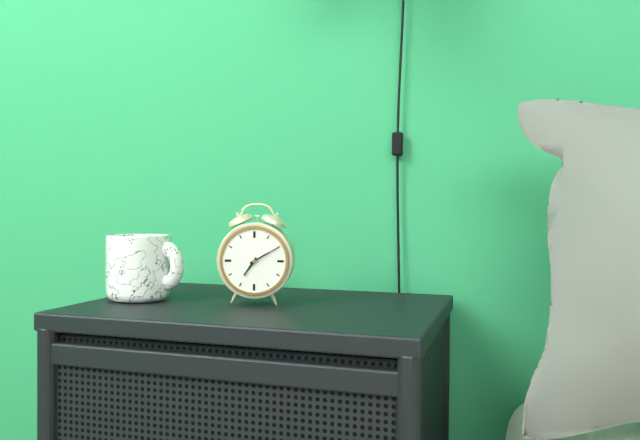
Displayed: 7 h 10 min
